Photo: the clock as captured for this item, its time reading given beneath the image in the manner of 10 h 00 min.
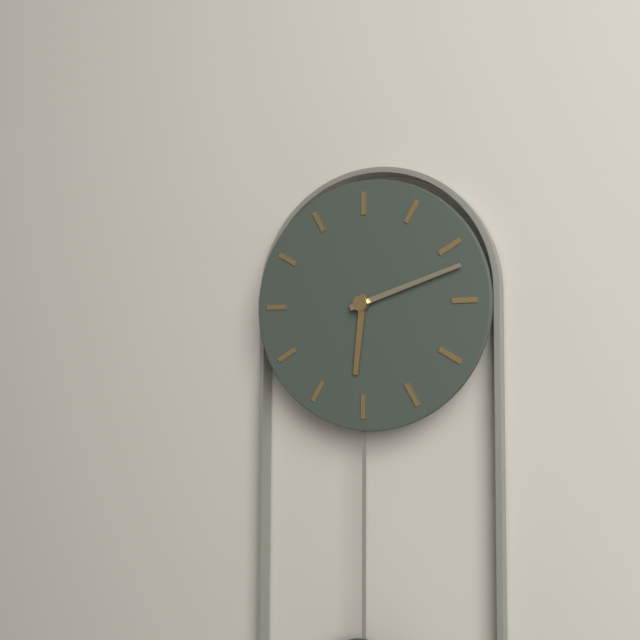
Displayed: 6 h 12 min
